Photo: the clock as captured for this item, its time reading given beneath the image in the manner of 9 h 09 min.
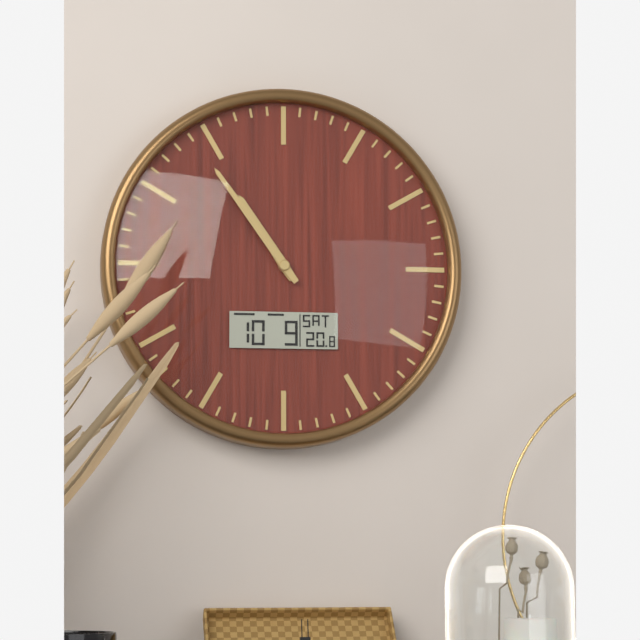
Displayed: 10 h 54 min
